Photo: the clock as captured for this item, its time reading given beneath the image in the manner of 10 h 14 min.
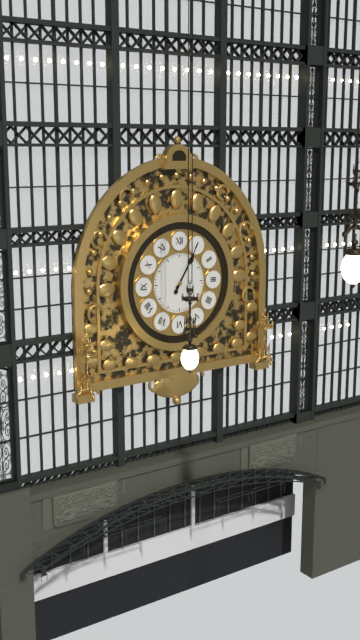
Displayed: 1 h 05 min
